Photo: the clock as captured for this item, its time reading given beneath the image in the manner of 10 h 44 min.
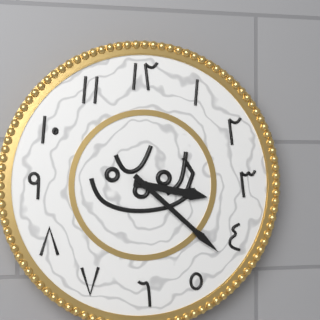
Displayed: 3 h 22 min
